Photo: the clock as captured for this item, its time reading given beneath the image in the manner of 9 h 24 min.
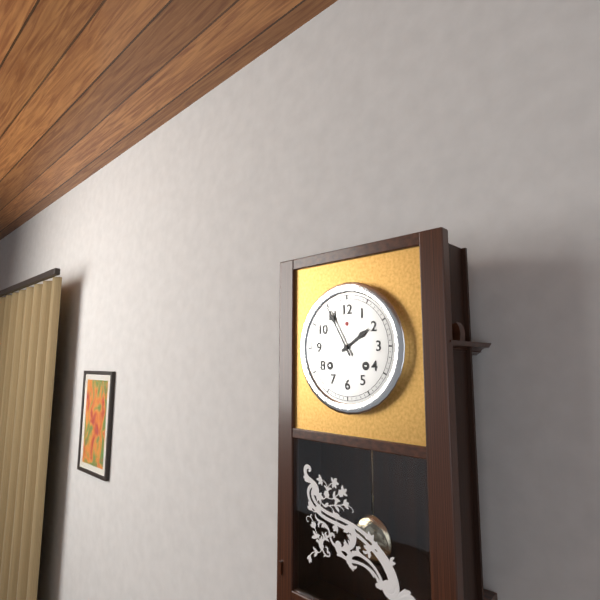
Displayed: 1 h 55 min
